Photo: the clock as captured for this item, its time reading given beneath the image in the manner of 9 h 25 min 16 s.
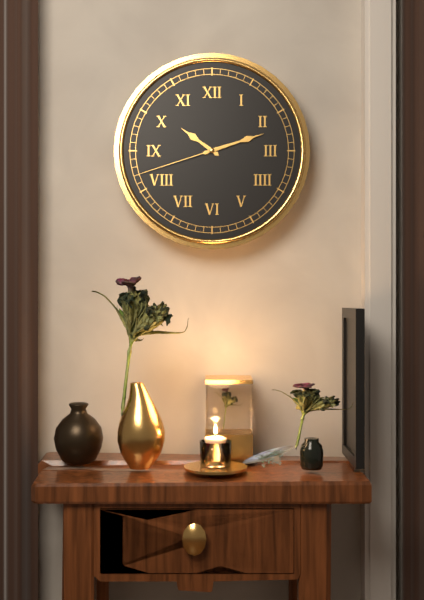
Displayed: 10 h 12 min 42 s
